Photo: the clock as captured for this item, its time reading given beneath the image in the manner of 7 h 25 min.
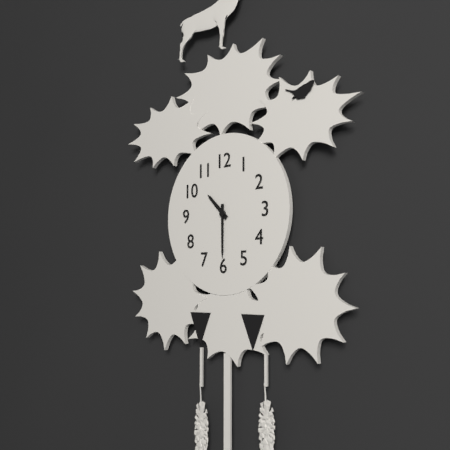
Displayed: 10 h 30 min
